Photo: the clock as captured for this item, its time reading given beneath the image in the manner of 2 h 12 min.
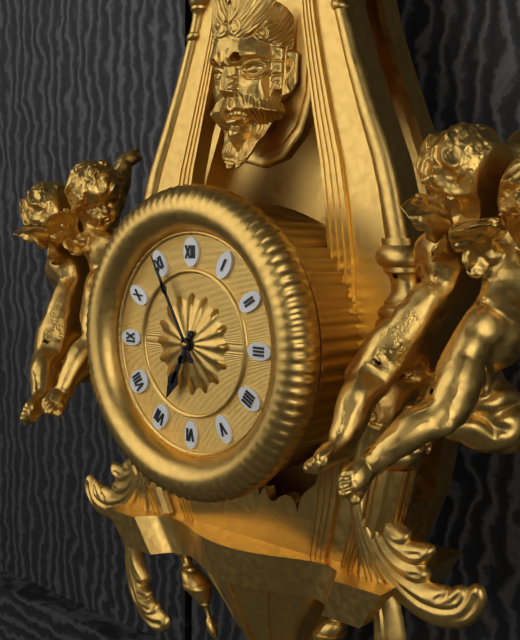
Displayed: 6 h 55 min
